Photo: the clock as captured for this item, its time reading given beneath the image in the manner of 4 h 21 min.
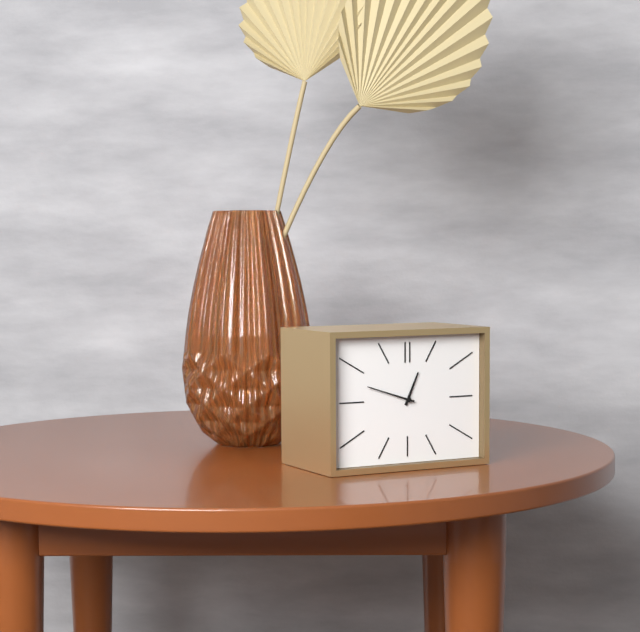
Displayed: 12 h 48 min
